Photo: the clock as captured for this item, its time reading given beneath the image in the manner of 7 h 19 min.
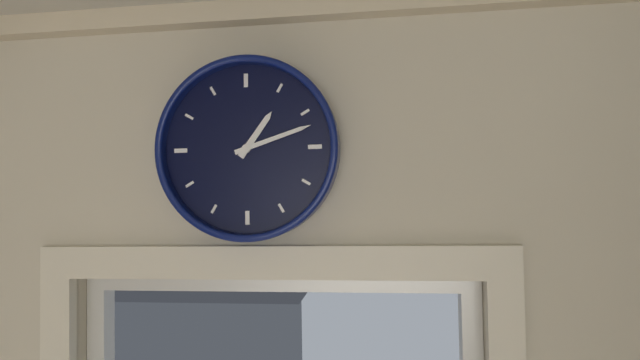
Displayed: 1 h 12 min
